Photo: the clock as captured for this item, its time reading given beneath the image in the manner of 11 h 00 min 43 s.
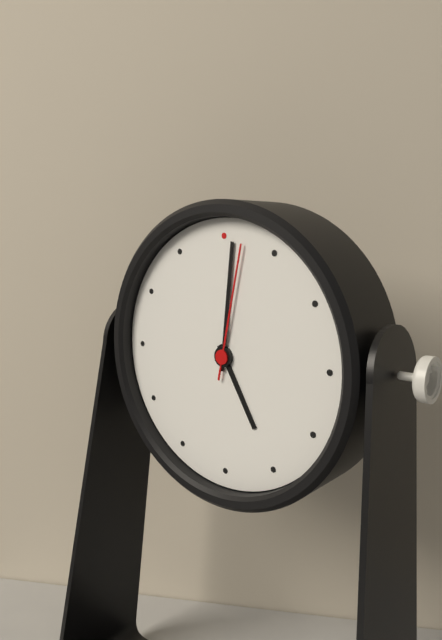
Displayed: 5 h 01 min 02 s
